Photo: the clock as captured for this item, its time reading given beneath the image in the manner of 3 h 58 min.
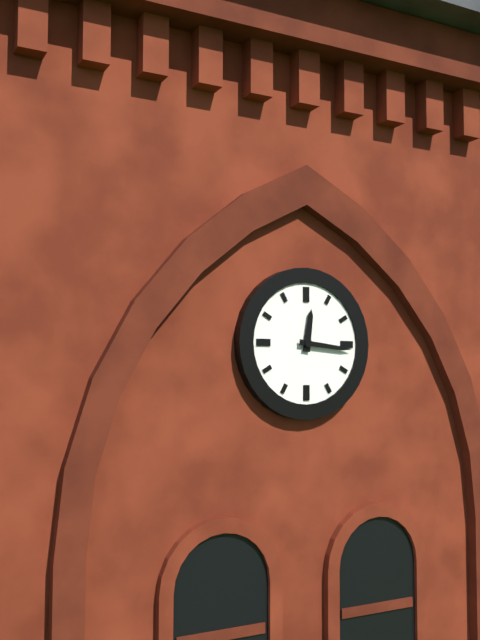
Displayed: 12 h 16 min
